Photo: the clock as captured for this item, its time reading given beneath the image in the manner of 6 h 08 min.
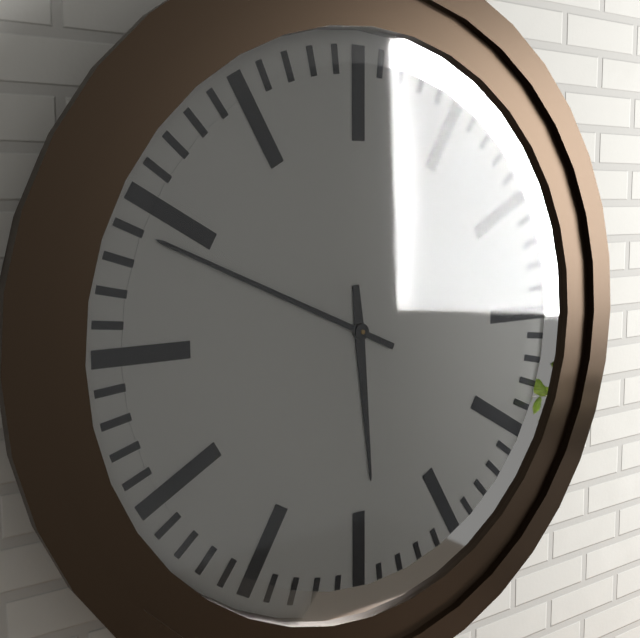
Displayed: 5 h 49 min
